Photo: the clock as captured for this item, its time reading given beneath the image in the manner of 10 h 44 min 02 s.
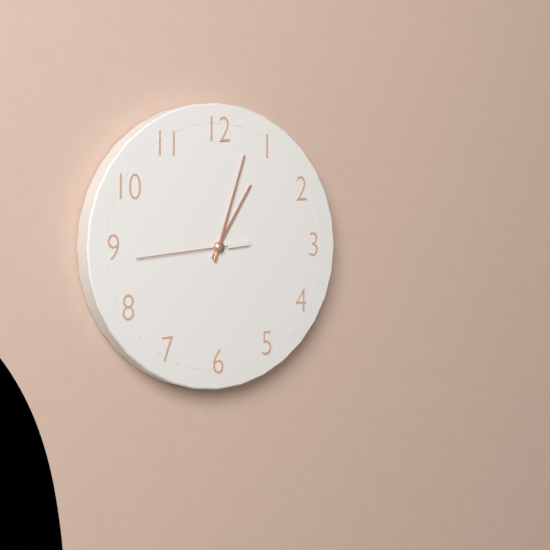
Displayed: 1 h 03 min 44 s
